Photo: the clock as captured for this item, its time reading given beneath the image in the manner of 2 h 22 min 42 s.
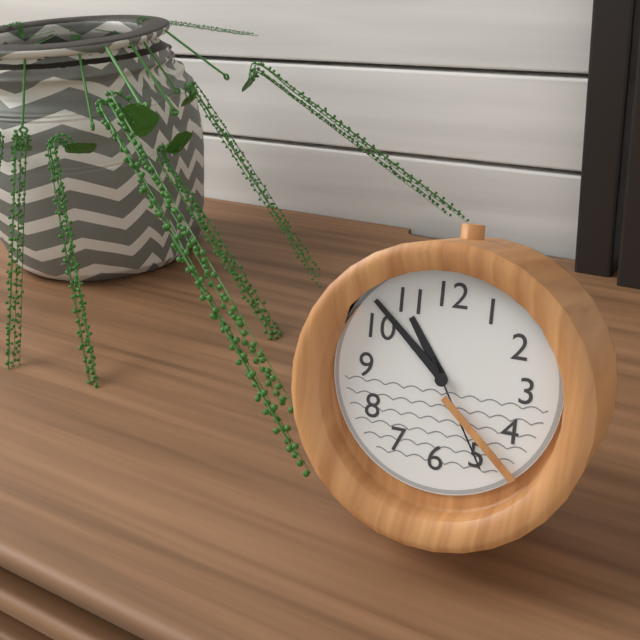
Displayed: 10 h 52 min 25 s
